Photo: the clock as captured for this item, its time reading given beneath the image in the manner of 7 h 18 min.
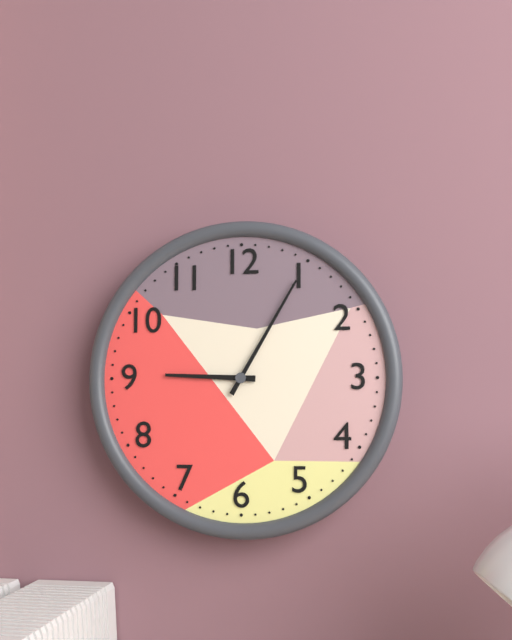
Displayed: 9 h 05 min
